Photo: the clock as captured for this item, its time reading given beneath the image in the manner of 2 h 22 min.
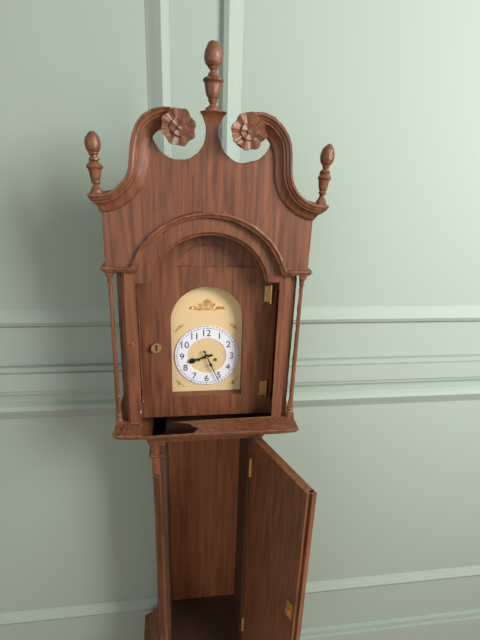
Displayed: 8 h 26 min
